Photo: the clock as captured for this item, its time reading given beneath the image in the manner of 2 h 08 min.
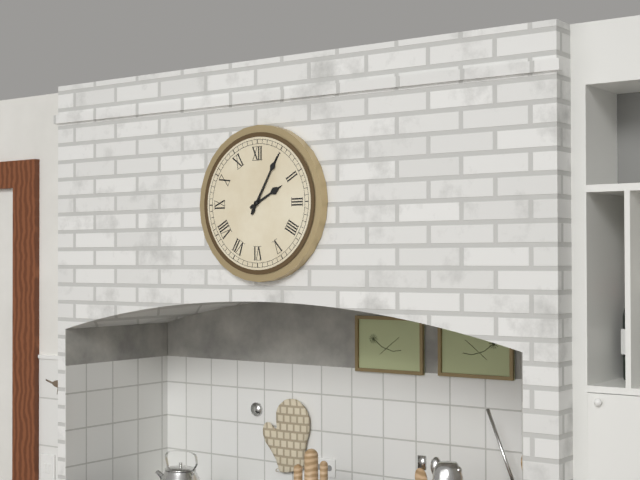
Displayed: 2 h 05 min
